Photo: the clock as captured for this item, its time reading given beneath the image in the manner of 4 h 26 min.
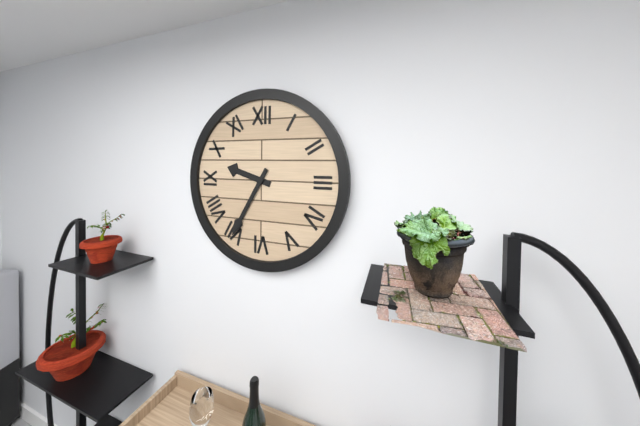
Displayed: 9 h 35 min
